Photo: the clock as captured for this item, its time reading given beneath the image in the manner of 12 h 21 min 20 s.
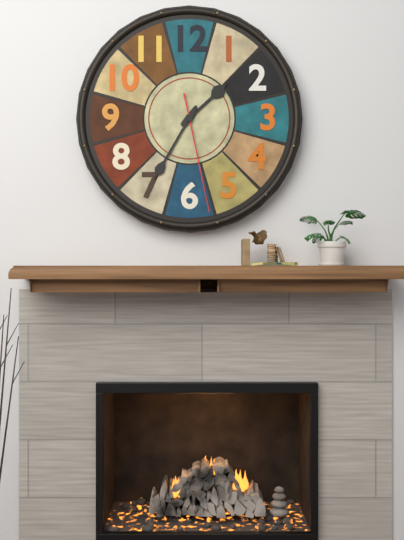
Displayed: 1 h 35 min 28 s
